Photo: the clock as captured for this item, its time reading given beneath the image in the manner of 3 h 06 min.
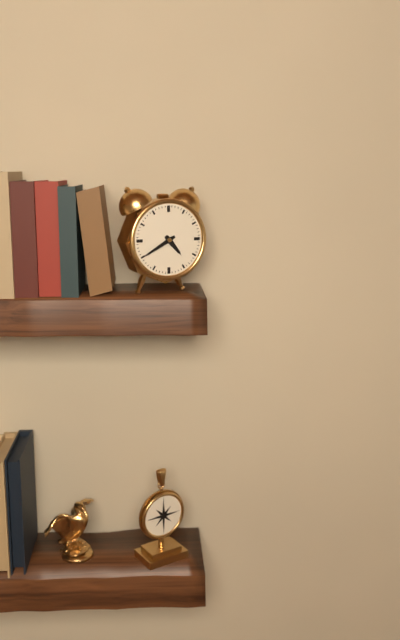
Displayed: 4 h 40 min
